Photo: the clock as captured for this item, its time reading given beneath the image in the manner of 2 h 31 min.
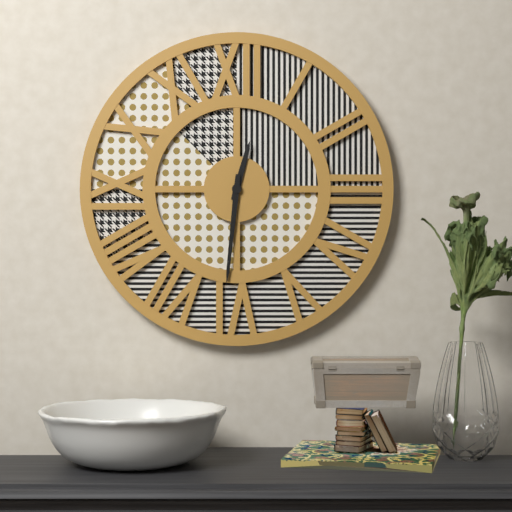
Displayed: 12 h 31 min
